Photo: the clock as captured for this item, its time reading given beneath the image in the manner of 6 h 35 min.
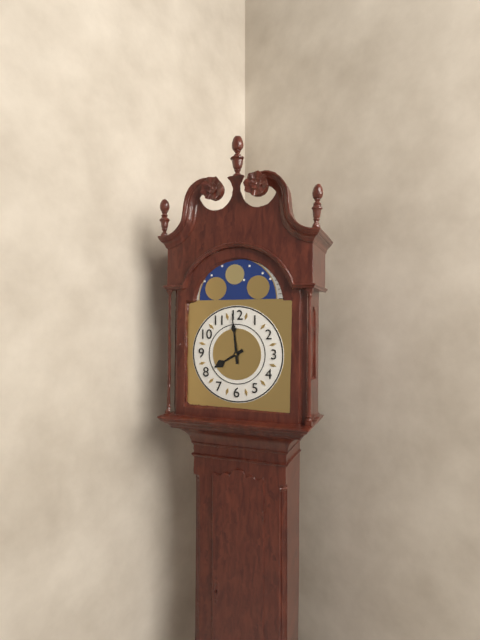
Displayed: 7 h 59 min
